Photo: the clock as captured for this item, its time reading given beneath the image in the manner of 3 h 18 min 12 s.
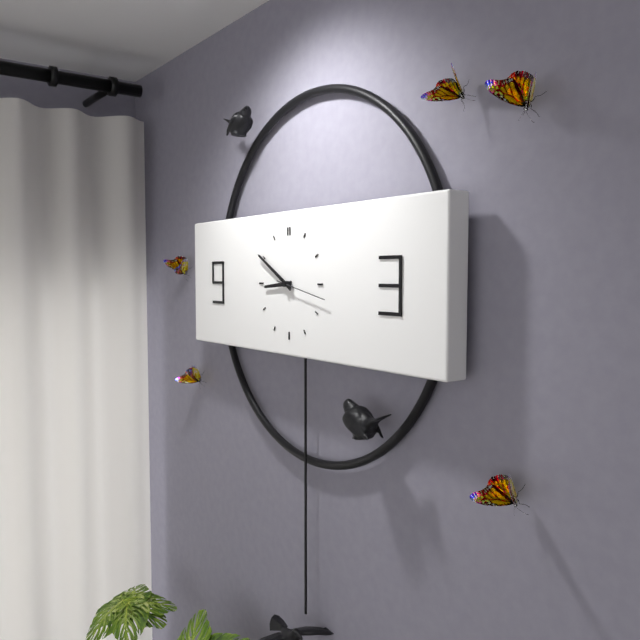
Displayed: 8 h 50 min 17 s
